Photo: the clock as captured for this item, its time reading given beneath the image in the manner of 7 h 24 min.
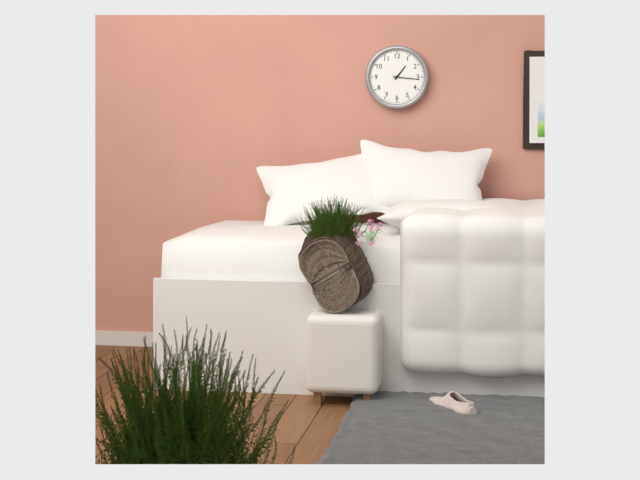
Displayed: 1 h 16 min
